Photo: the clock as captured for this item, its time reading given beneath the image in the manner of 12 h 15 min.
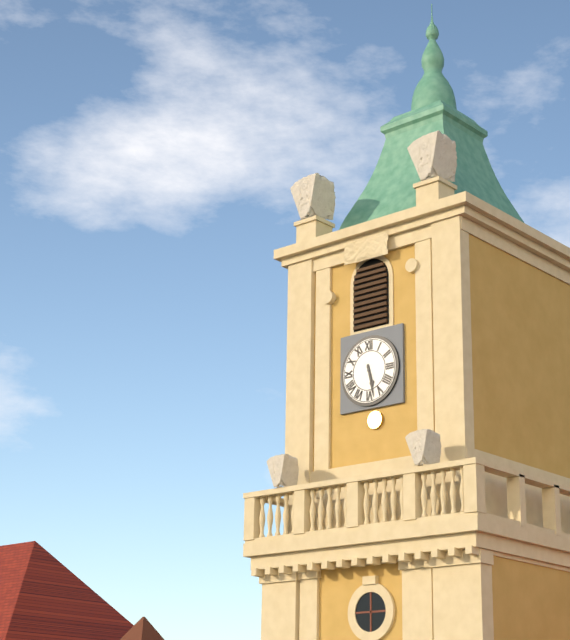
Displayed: 5 h 28 min
